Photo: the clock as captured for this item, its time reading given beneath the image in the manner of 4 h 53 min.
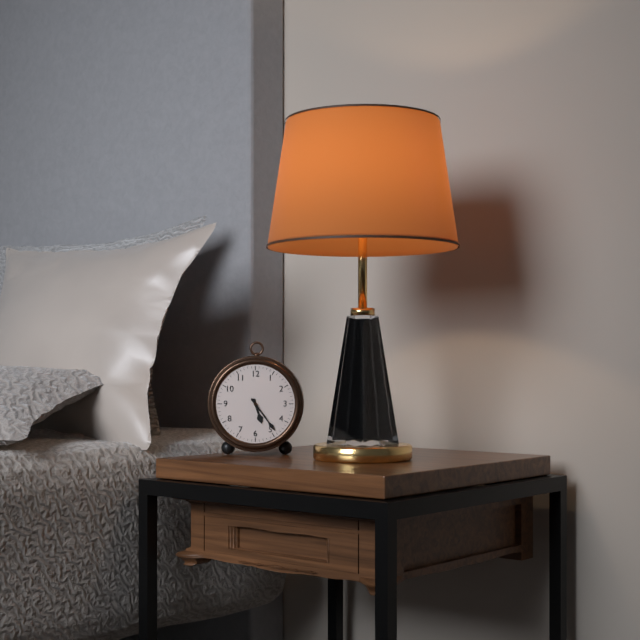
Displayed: 5 h 24 min
